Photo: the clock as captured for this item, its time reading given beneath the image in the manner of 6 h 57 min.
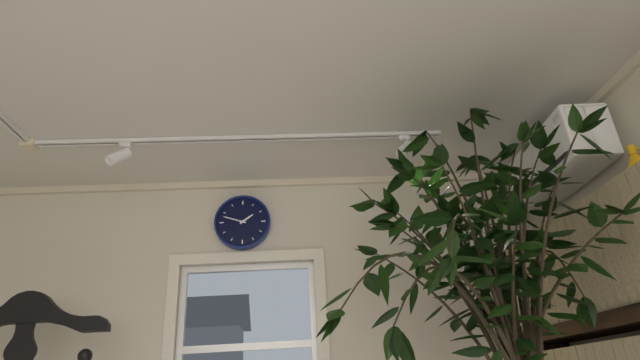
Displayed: 1 h 48 min
